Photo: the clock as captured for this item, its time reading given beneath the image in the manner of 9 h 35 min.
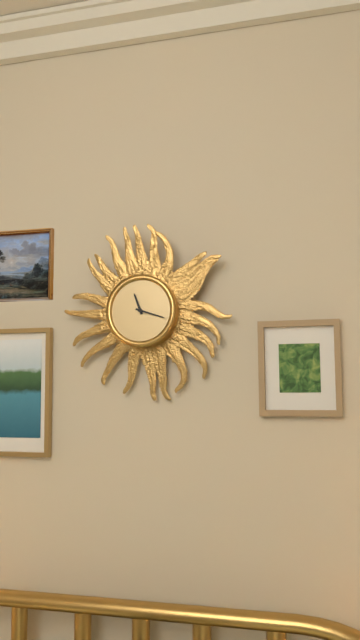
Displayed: 11 h 18 min
